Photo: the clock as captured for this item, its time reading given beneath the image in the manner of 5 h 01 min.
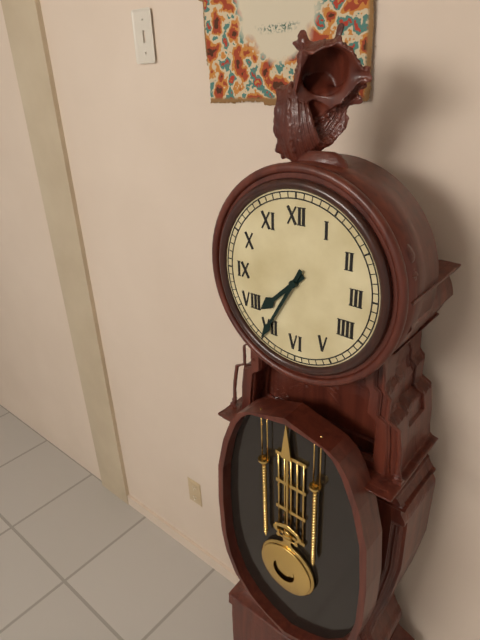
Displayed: 7 h 35 min
